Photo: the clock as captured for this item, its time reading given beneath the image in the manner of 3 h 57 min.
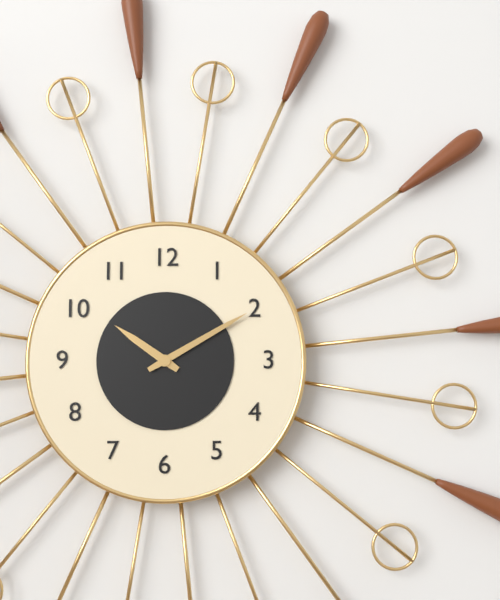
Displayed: 10 h 10 min
